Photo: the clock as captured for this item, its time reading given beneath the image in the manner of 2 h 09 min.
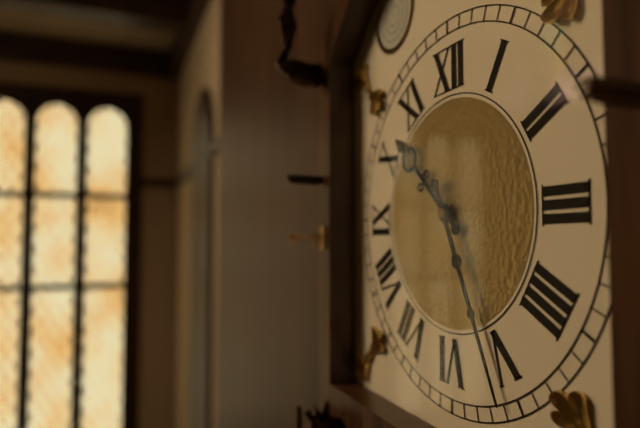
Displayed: 10 h 26 min
